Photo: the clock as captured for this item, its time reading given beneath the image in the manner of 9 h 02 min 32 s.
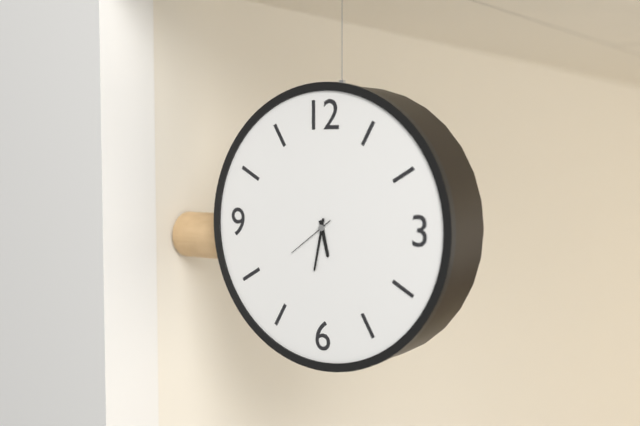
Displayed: 5 h 32 min 39 s
